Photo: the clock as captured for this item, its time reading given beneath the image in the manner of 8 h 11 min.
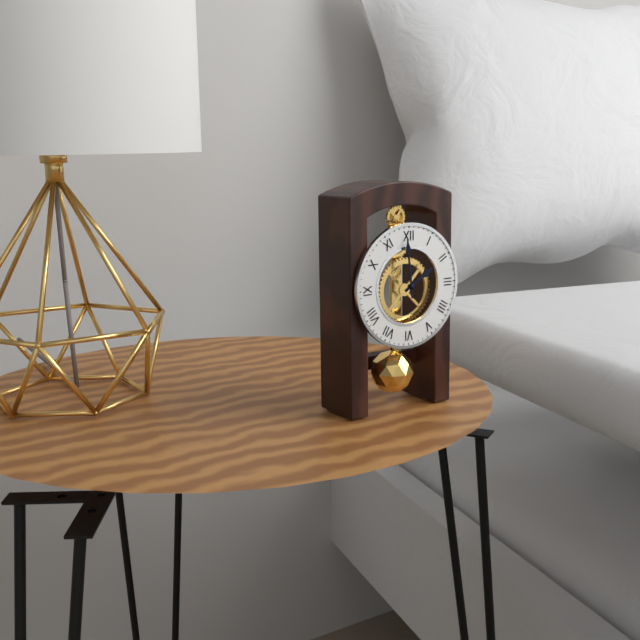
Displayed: 1 h 59 min
